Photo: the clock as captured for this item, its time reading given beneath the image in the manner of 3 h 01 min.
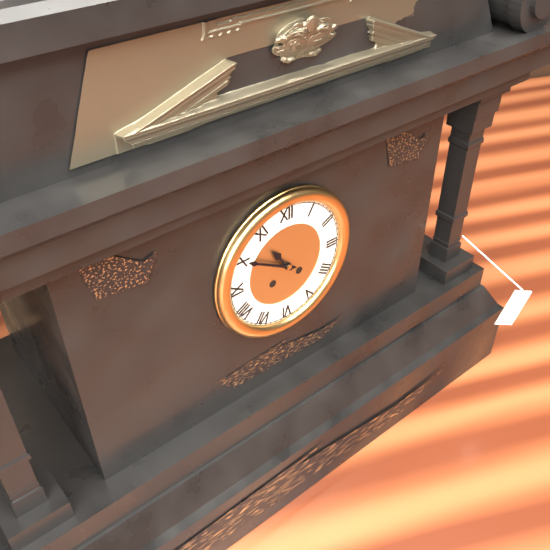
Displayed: 10 h 50 min
